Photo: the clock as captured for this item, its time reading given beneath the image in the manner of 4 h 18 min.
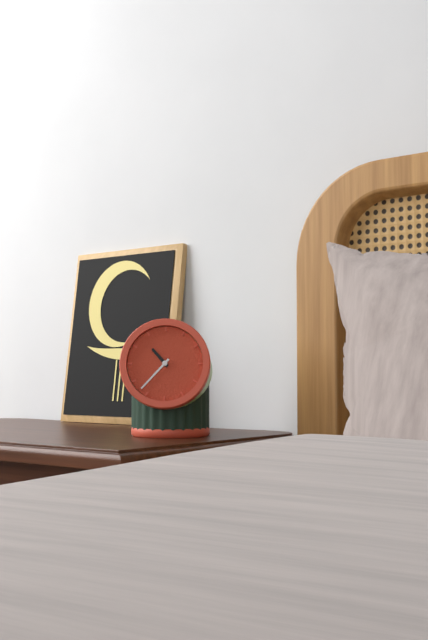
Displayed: 10 h 37 min
